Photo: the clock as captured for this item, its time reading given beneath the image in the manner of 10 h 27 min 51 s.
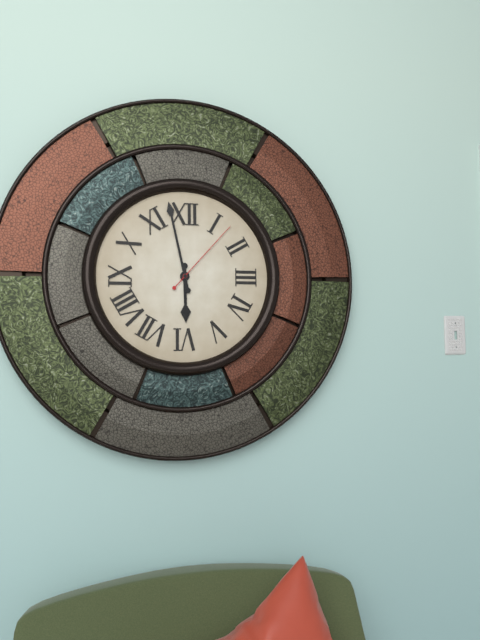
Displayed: 5 h 58 min 07 s
